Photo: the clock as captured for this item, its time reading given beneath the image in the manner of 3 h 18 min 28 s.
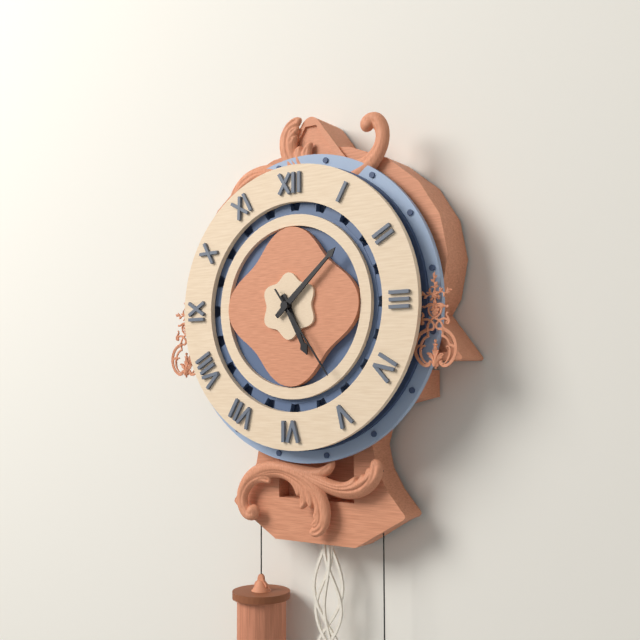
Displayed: 5 h 08 min 24 s
